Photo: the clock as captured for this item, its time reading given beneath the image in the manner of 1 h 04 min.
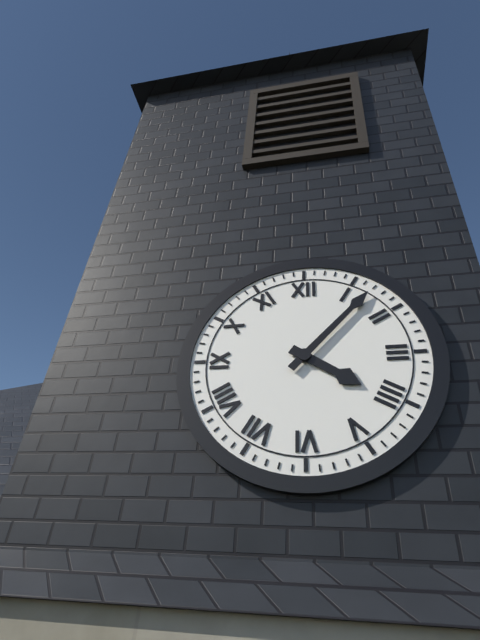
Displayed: 4 h 07 min
